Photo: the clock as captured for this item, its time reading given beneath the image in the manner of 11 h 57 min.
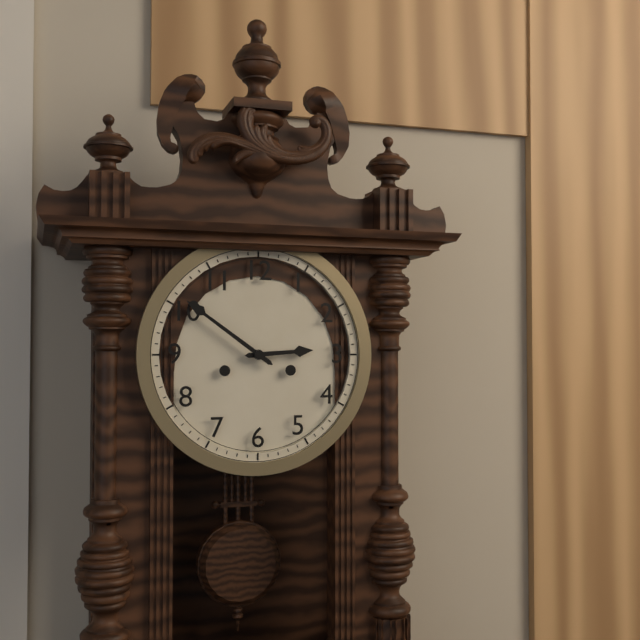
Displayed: 2 h 51 min
